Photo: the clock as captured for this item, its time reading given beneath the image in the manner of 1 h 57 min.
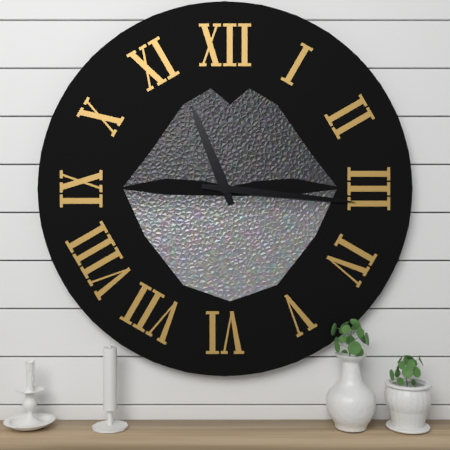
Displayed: 11 h 16 min
